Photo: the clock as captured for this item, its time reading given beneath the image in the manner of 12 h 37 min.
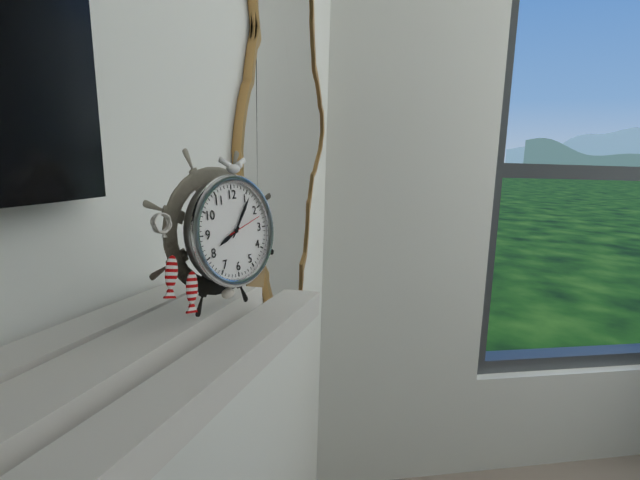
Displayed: 8 h 06 min
